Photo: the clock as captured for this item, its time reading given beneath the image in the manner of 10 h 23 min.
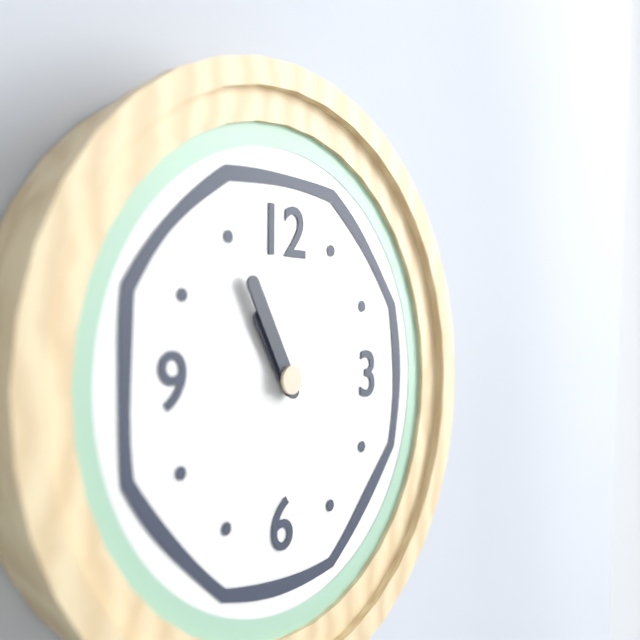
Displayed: 10 h 55 min
